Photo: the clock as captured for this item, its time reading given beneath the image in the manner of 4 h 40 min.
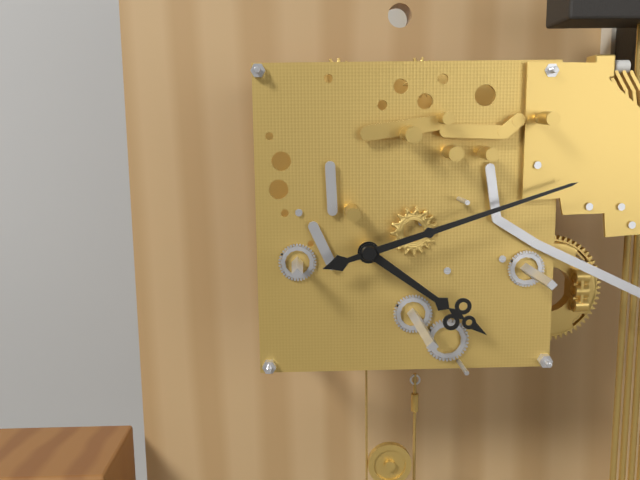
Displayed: 4 h 12 min
